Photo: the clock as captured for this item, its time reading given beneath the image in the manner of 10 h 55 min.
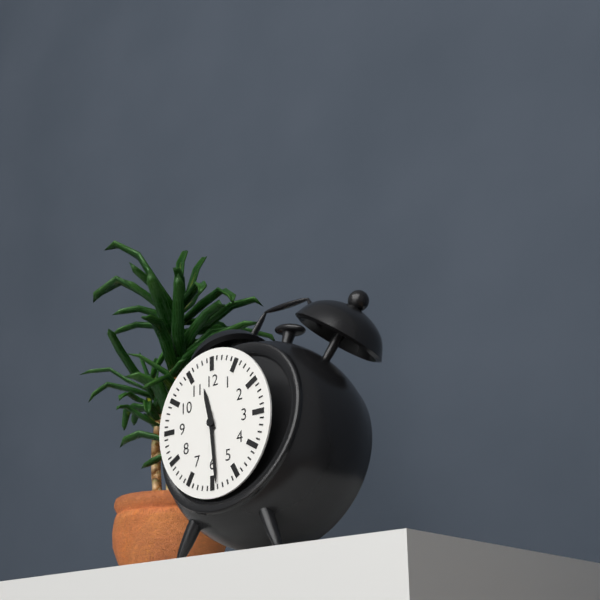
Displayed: 11 h 29 min
